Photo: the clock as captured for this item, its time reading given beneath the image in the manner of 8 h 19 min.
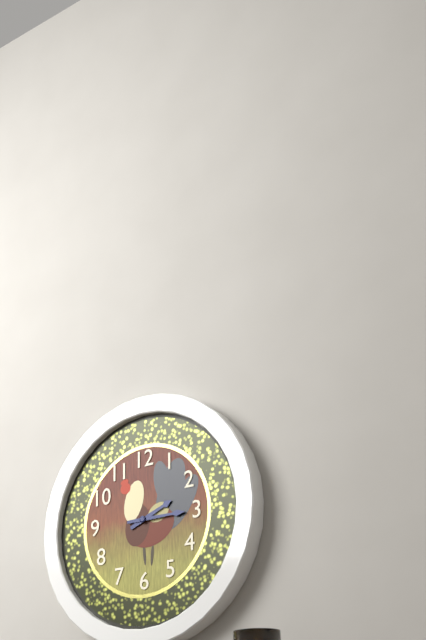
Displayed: 2 h 15 min
